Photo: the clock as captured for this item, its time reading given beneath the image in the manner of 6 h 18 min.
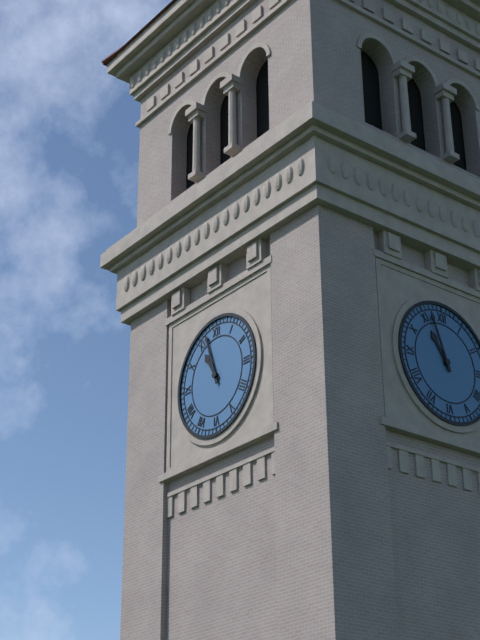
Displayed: 10 h 57 min
